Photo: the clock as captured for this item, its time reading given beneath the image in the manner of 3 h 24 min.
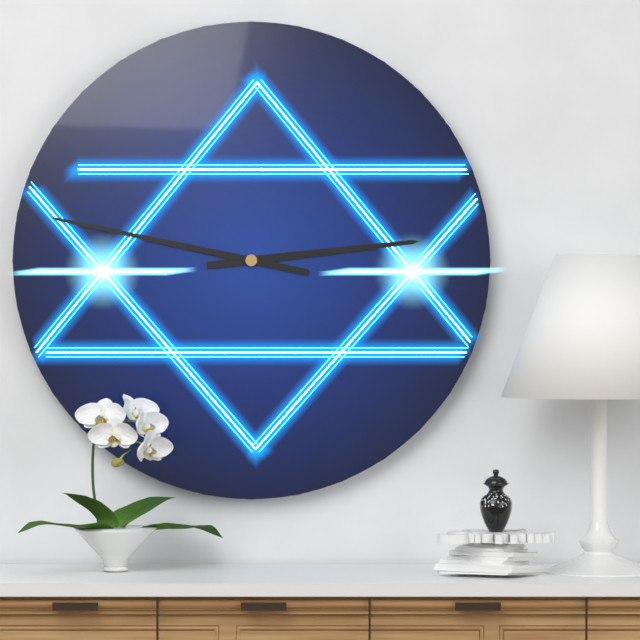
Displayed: 2 h 47 min
